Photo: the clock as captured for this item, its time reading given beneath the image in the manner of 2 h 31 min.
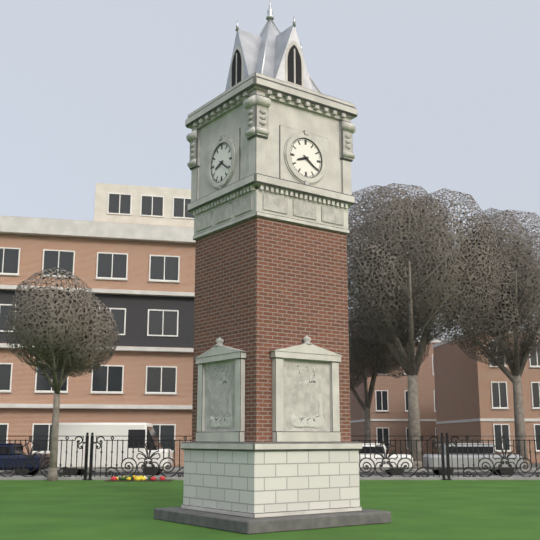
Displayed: 8 h 21 min
